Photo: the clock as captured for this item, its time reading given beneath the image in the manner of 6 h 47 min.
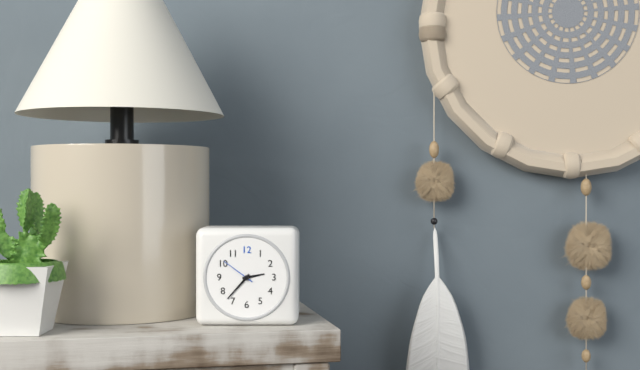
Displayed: 2 h 37 min
